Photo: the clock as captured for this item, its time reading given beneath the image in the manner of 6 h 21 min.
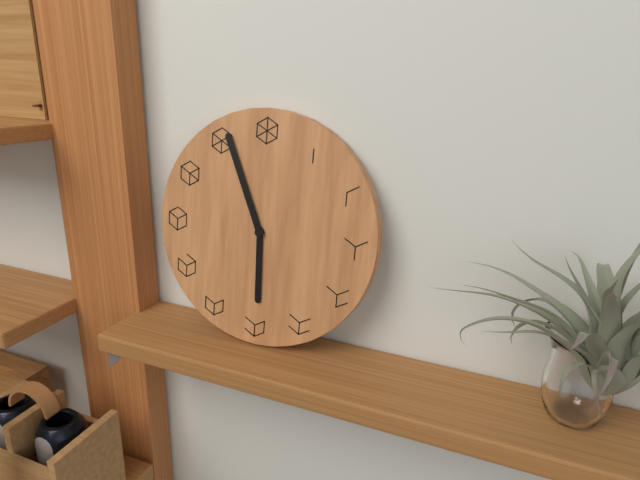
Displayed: 5 h 56 min
